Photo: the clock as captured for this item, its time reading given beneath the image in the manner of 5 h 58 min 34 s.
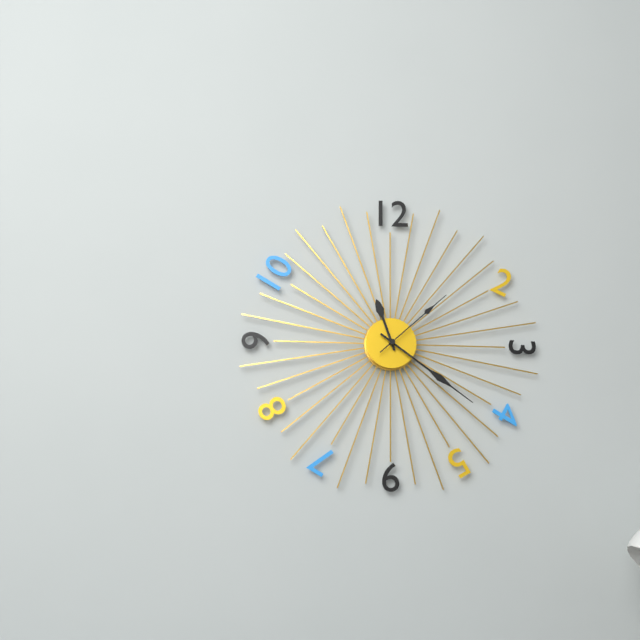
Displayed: 11 h 21 min 08 s
